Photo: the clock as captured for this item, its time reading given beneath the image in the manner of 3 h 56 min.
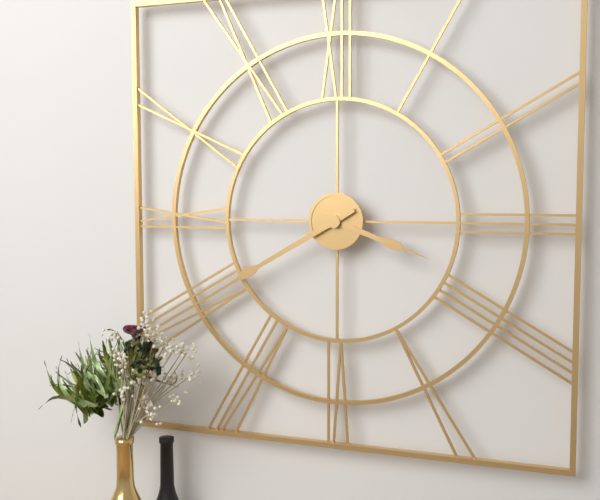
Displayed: 3 h 40 min
